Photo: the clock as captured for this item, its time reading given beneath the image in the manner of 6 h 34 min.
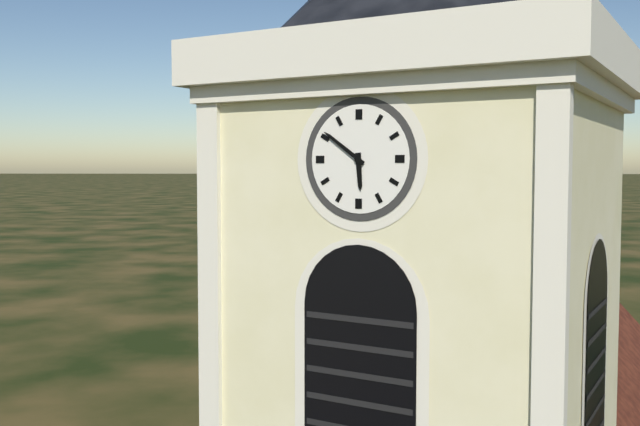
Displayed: 5 h 51 min
